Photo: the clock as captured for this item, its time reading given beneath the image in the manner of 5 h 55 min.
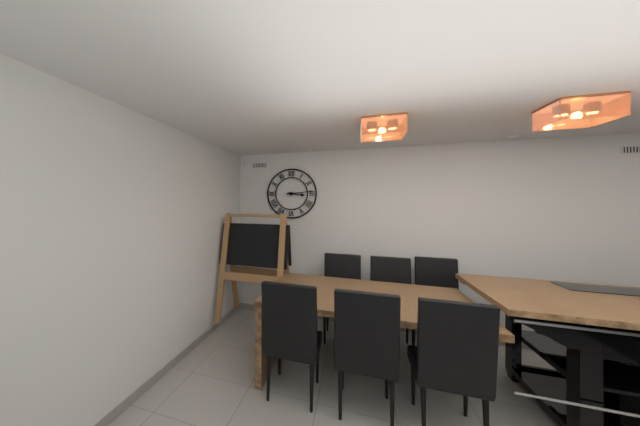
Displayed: 3 h 14 min
